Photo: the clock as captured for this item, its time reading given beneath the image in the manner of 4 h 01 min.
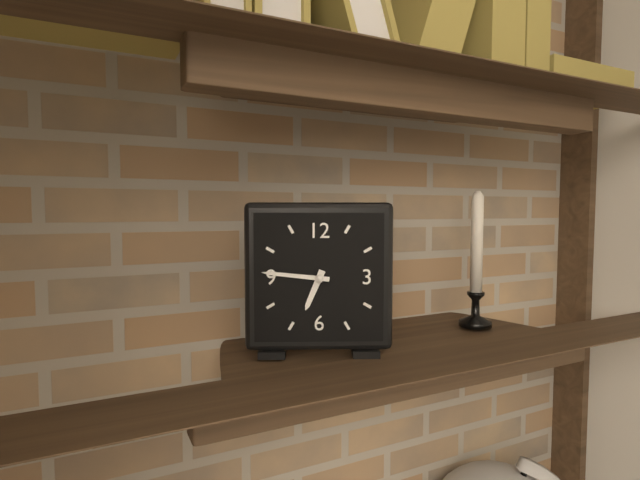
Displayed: 6 h 46 min
